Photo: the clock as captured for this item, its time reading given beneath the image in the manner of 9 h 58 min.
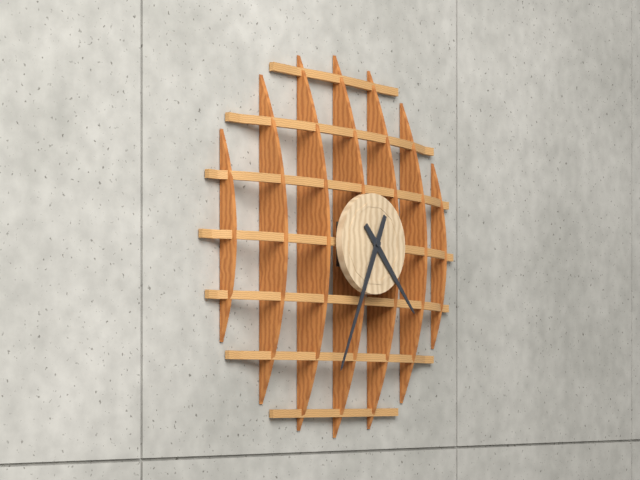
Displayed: 4 h 34 min
